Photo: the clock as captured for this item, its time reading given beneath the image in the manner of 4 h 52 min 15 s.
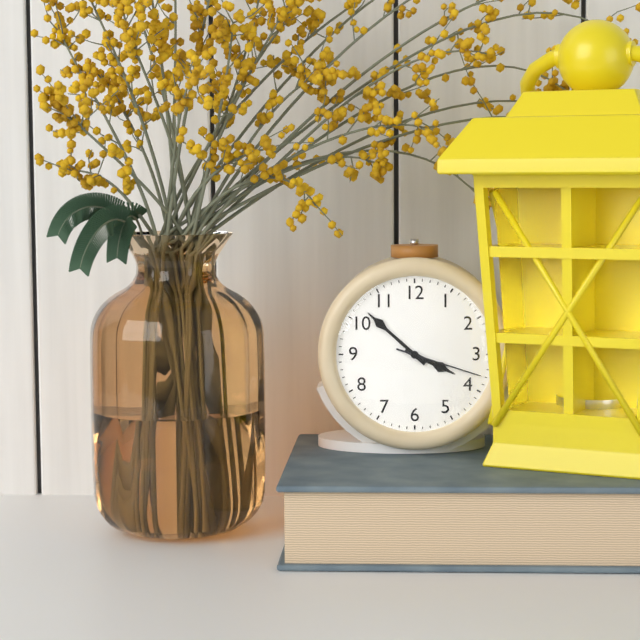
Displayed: 3 h 52 min 18 s
